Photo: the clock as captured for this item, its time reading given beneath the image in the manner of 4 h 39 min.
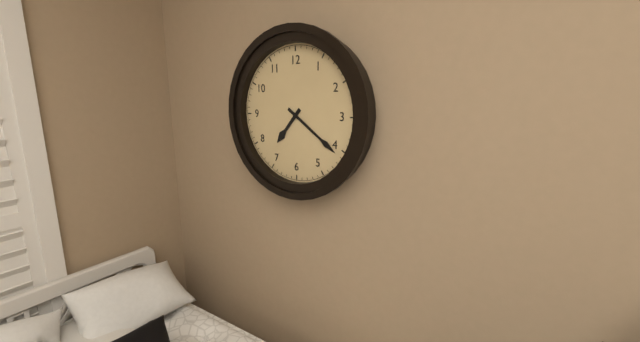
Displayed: 7 h 21 min
